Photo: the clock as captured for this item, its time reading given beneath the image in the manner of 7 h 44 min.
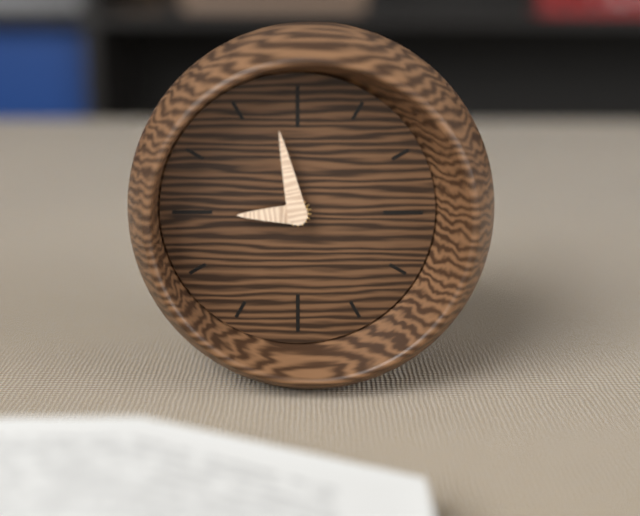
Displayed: 8 h 58 min
